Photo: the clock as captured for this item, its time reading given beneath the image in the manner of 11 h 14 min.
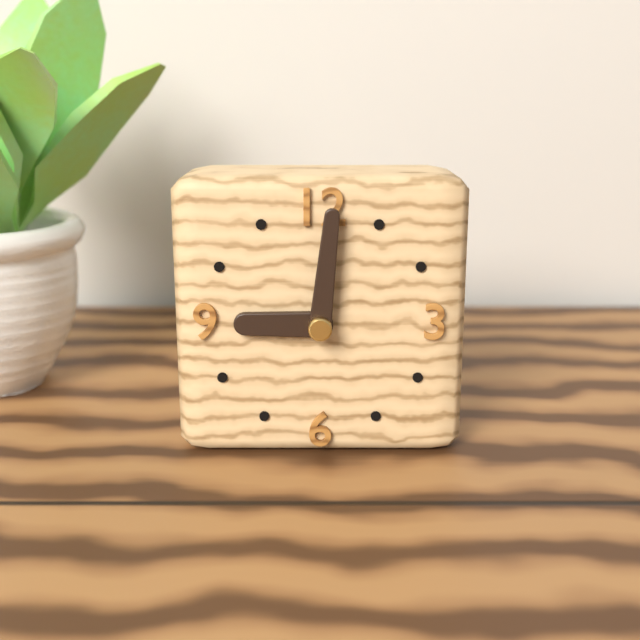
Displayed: 9 h 01 min
